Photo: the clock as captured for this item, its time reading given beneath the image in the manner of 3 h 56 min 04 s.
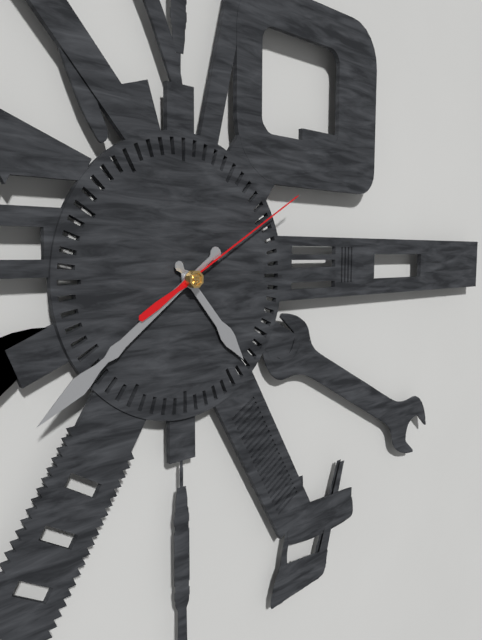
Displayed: 4 h 39 min 10 s
